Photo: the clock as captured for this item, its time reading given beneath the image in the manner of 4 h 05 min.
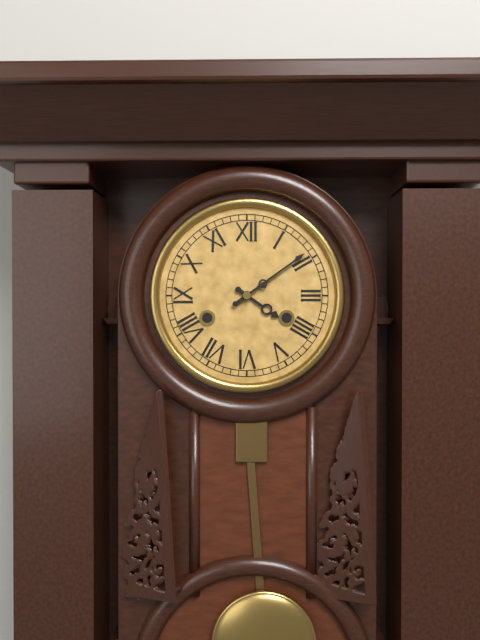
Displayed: 4 h 09 min
